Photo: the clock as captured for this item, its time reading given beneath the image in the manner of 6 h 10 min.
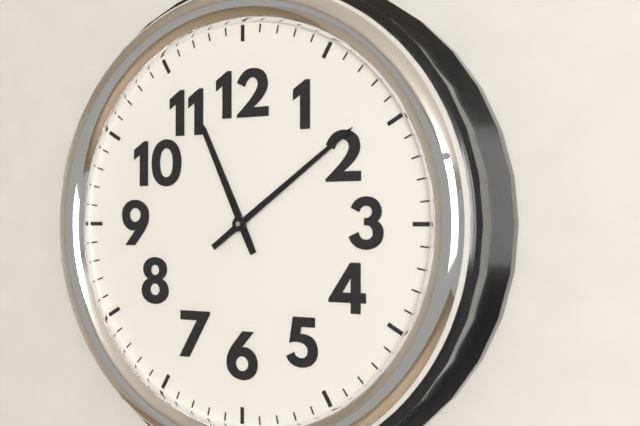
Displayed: 11 h 09 min
